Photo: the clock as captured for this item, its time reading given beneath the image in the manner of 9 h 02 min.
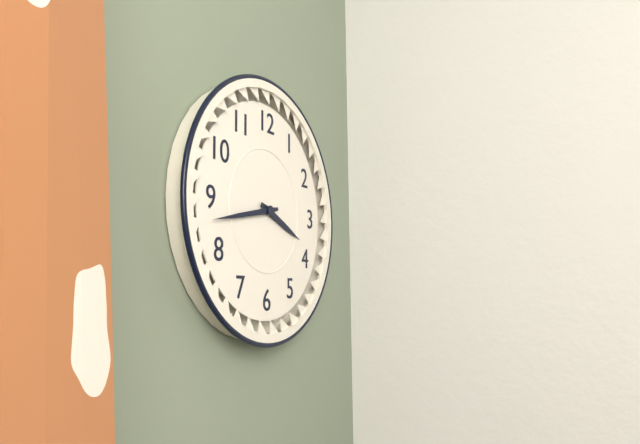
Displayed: 3 h 43 min
